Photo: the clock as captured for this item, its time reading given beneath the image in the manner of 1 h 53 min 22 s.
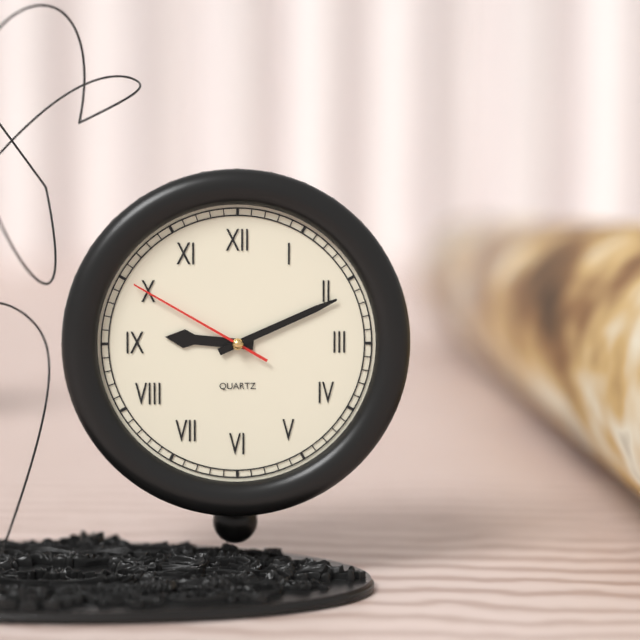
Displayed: 9 h 11 min 50 s
